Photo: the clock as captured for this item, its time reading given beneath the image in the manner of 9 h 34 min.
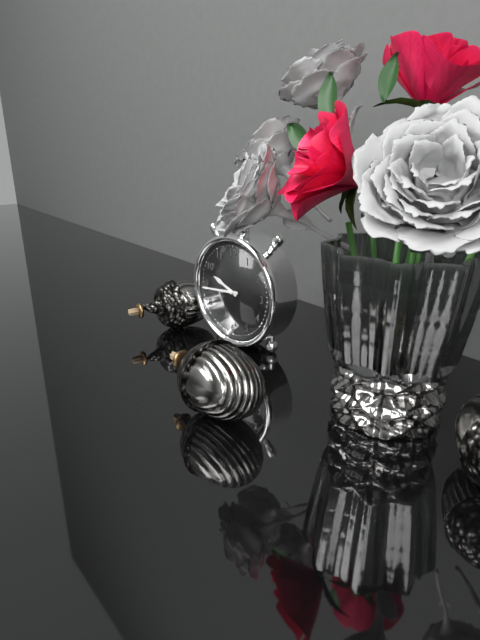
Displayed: 9 h 44 min
